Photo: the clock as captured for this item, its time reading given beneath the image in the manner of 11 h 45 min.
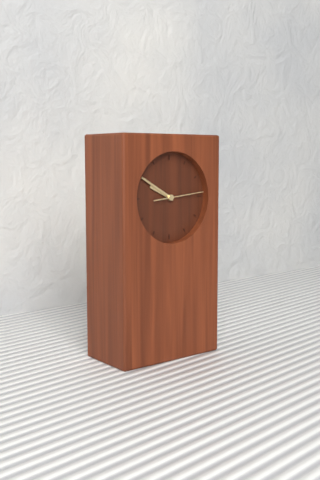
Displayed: 9 h 50 min
